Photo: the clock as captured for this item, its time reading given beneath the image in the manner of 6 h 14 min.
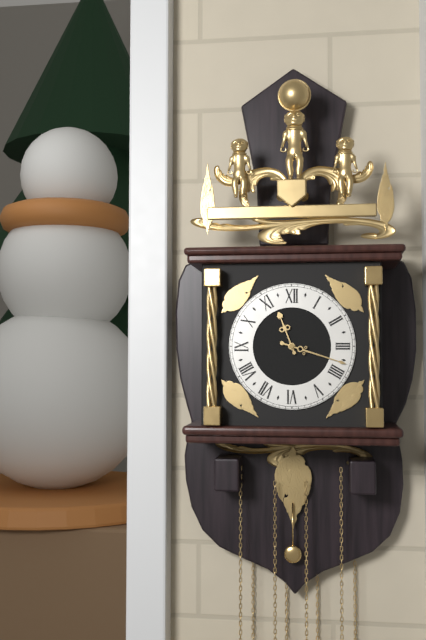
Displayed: 11 h 18 min
